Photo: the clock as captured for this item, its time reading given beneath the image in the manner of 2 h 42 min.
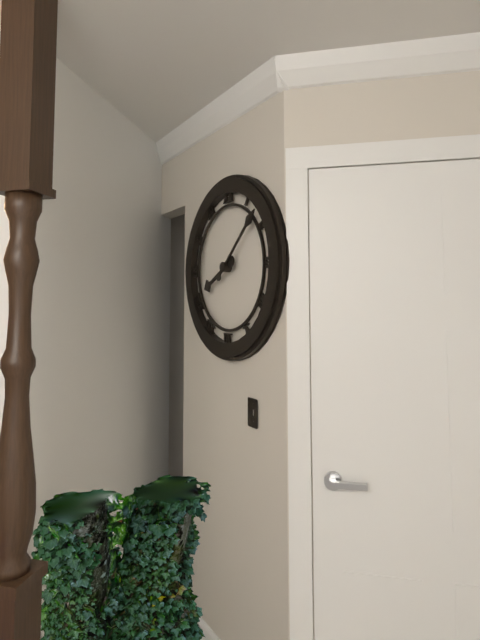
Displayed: 8 h 08 min
